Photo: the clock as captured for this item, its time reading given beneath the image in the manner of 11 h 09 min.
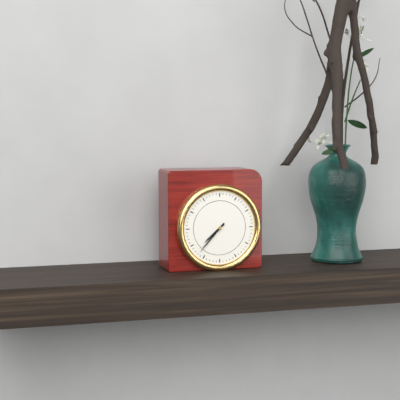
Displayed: 7 h 37 min
